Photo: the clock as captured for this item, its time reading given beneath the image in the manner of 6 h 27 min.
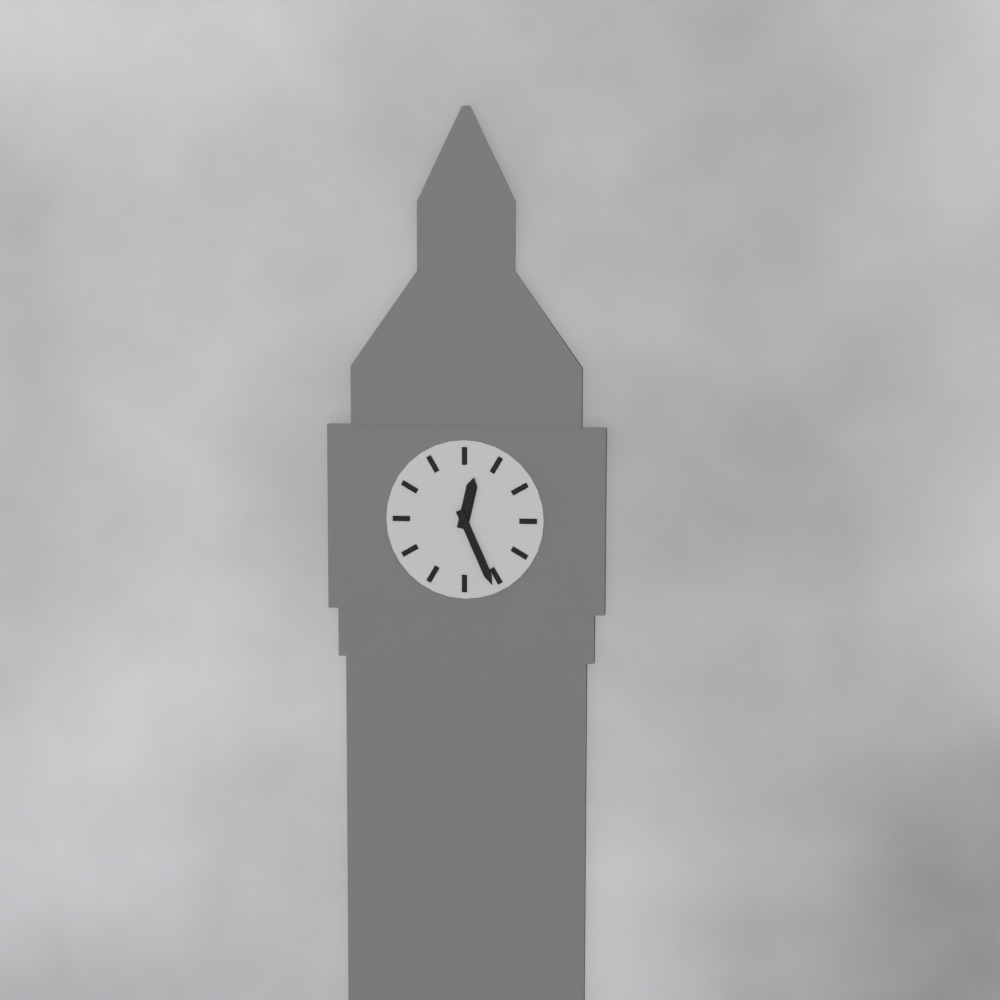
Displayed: 12 h 26 min
